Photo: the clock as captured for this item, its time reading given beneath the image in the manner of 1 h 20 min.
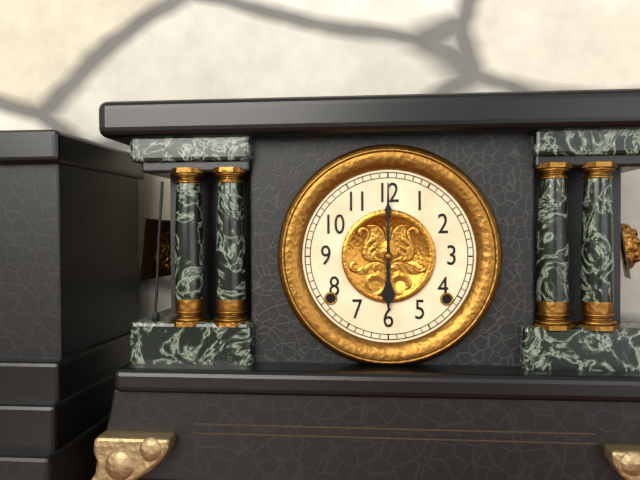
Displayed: 6 h 00 min
